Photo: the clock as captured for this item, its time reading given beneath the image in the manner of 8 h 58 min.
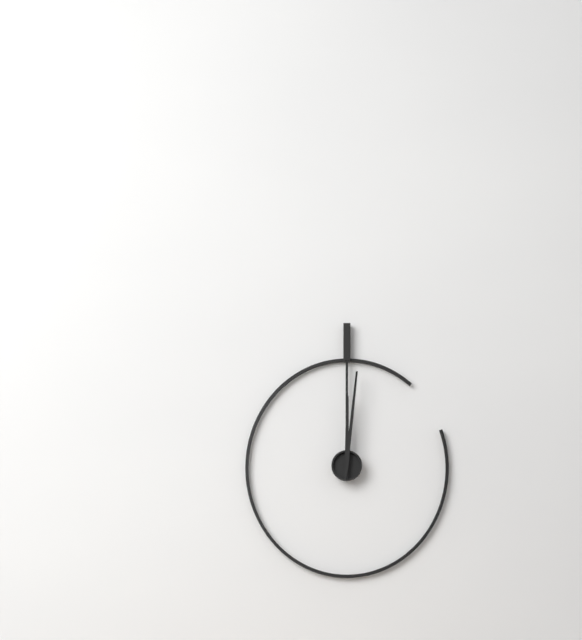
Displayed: 12 h 01 min
